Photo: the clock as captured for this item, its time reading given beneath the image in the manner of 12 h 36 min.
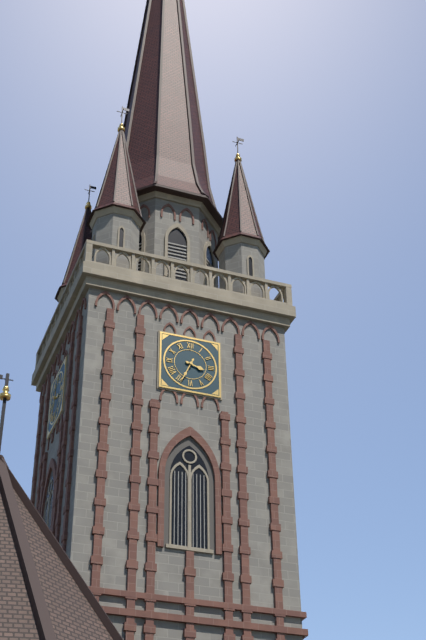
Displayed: 3 h 34 min
